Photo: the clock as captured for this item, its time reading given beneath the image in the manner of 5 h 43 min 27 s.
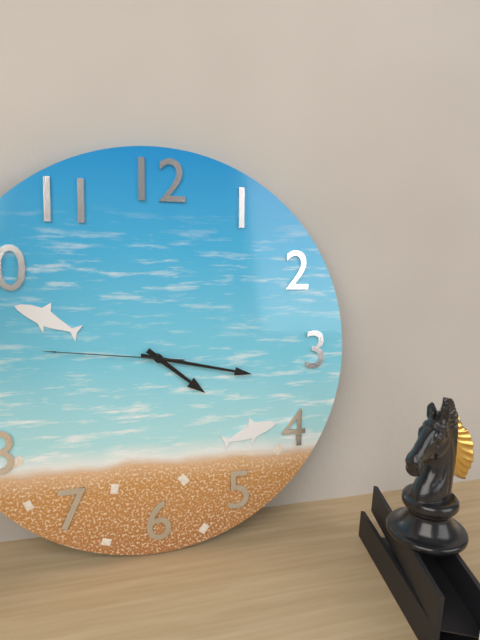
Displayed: 4 h 17 min 46 s
